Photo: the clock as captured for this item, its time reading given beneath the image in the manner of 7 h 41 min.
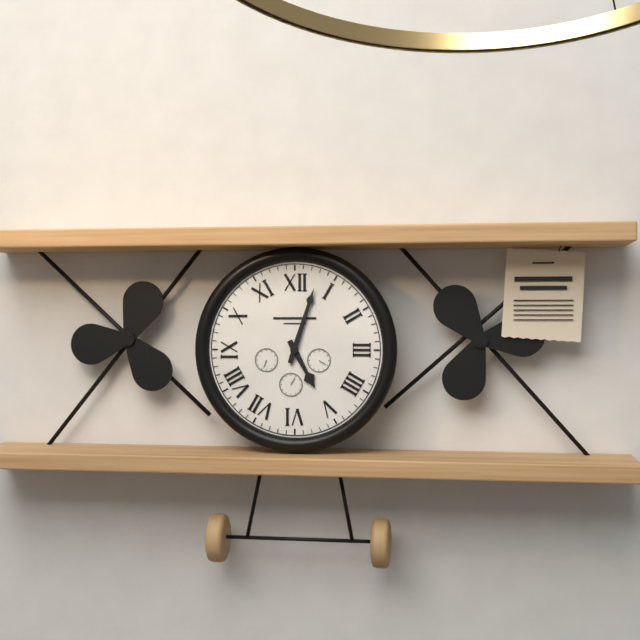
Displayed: 5 h 03 min
